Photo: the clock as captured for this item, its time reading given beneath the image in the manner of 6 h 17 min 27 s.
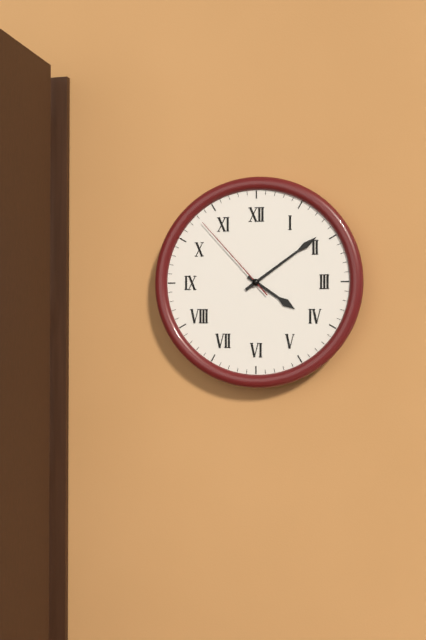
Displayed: 4 h 09 min 53 s
